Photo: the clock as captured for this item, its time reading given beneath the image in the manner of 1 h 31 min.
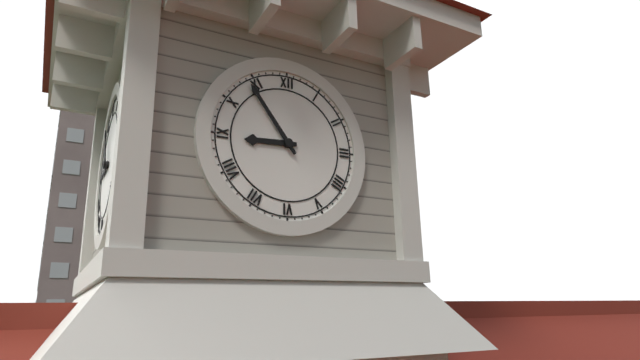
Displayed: 8 h 54 min
